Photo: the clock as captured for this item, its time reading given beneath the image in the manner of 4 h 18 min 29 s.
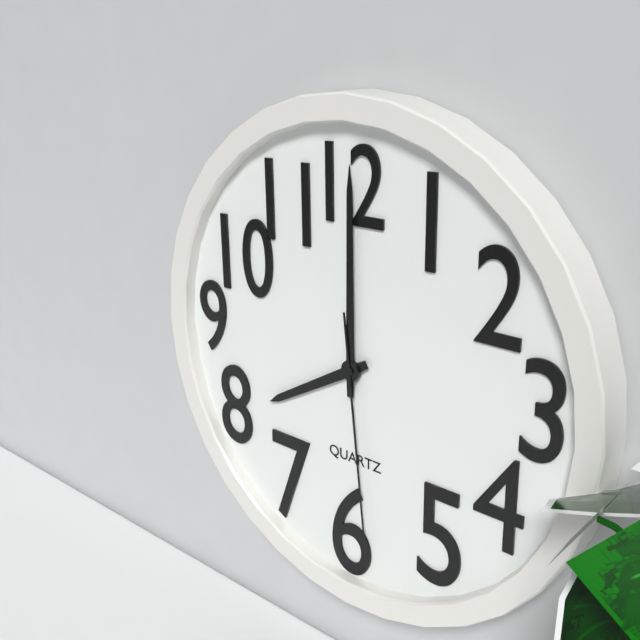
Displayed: 8 h 00 min 29 s
